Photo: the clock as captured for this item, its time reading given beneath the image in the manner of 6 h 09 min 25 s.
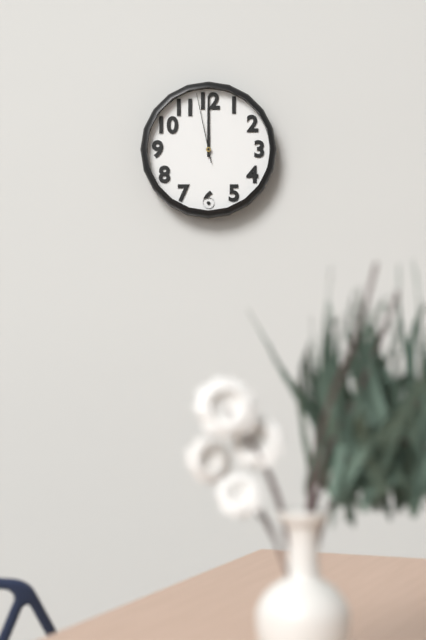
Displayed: 12 h 00 min 58 s
